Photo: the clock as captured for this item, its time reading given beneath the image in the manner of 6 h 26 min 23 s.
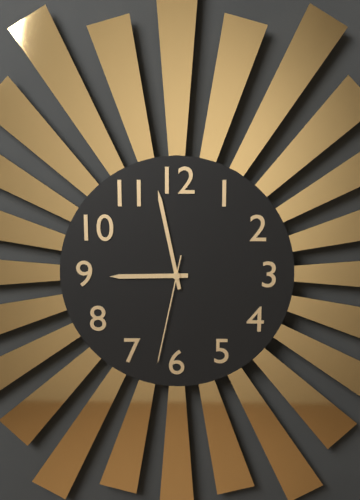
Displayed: 8 h 58 min 32 s
